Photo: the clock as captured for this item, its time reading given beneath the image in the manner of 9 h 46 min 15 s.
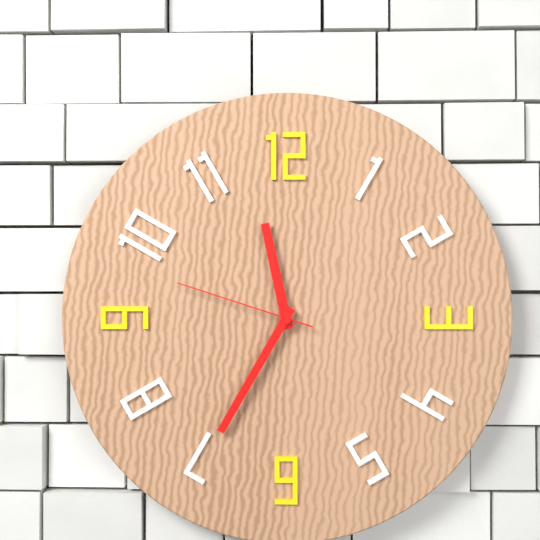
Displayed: 11 h 35 min 48 s
